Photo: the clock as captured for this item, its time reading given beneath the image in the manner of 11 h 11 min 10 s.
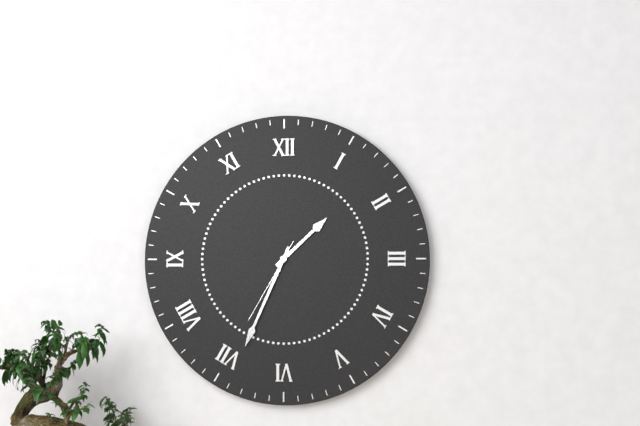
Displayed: 1 h 34 min 35 s
